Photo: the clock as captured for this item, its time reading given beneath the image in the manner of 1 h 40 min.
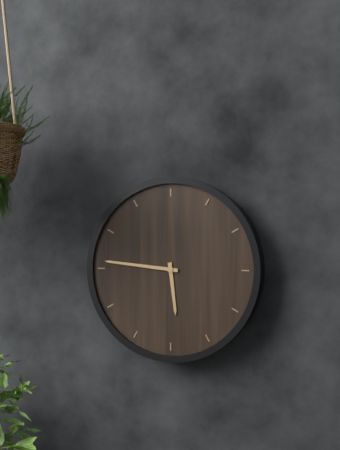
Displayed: 5 h 46 min
